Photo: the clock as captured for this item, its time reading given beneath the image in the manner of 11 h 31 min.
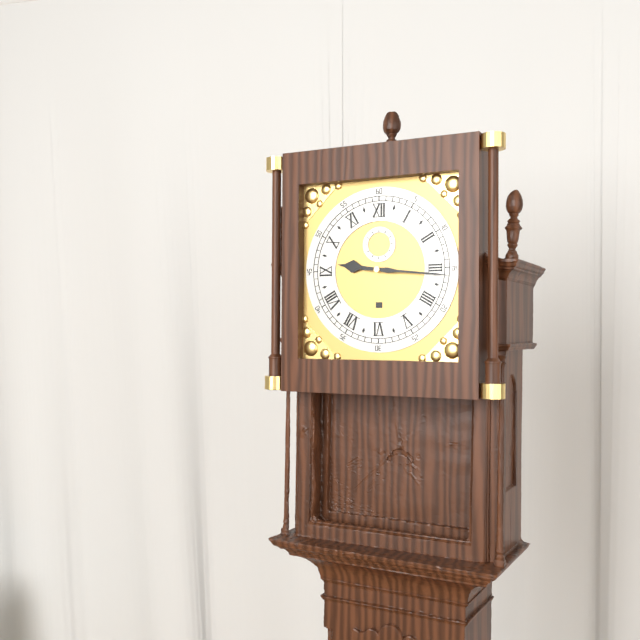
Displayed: 9 h 16 min
